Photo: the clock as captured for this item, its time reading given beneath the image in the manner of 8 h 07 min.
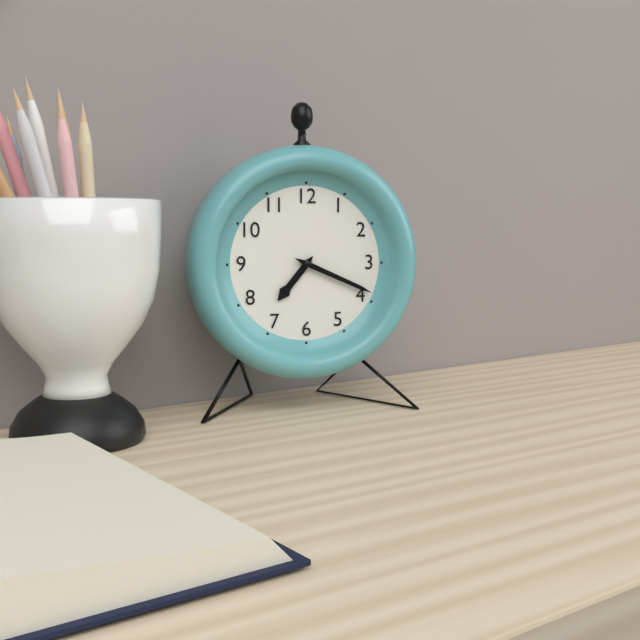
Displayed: 7 h 19 min
